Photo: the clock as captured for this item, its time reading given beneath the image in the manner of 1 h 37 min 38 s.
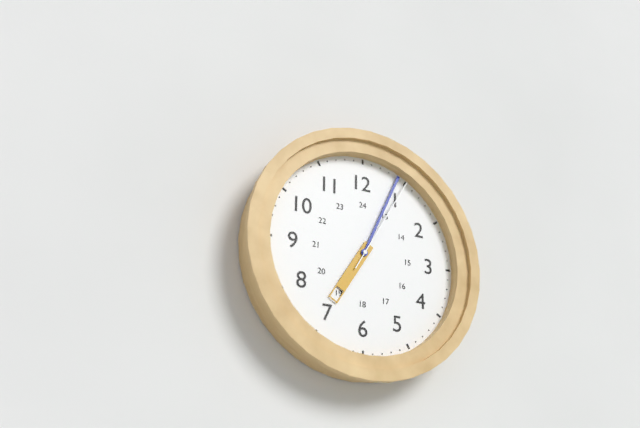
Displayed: 7 h 04 min 05 s
